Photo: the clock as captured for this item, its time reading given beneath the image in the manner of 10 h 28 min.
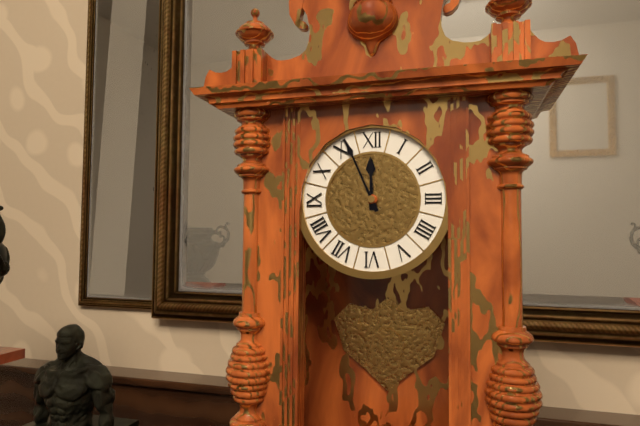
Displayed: 11 h 56 min
